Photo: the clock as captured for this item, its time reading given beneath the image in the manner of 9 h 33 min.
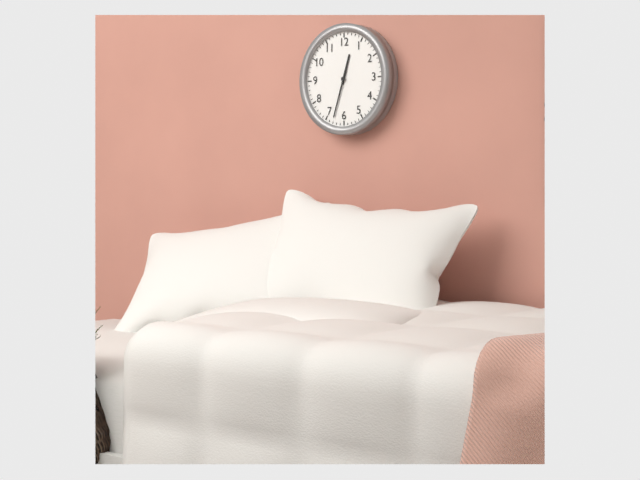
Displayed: 12 h 33 min
